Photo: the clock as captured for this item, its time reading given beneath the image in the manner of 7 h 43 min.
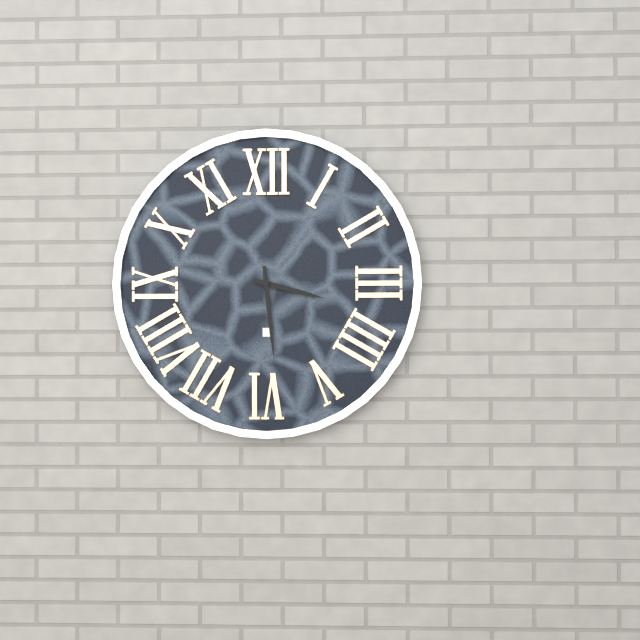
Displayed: 3 h 29 min
